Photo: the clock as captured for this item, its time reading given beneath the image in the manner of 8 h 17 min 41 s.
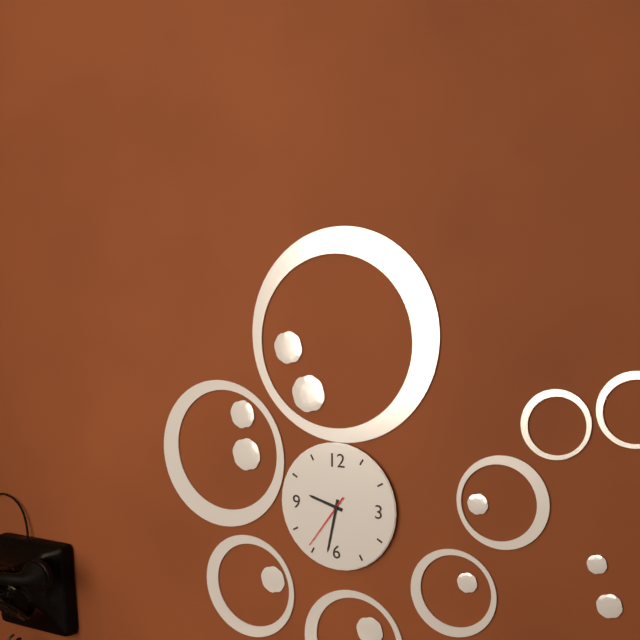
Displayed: 9 h 32 min 36 s
